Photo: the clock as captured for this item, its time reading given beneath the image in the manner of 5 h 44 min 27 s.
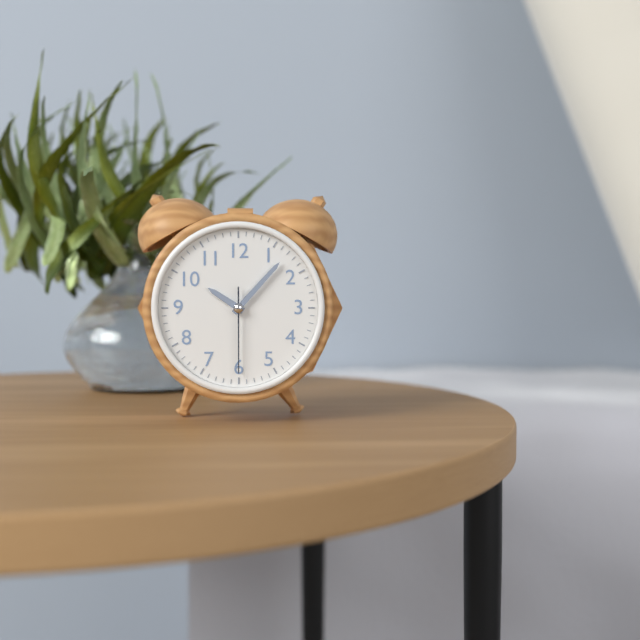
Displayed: 10 h 07 min 30 s
